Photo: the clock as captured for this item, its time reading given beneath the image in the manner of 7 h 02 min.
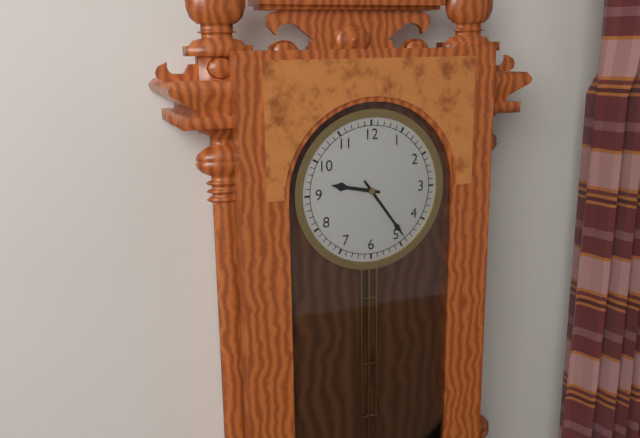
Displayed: 9 h 24 min
